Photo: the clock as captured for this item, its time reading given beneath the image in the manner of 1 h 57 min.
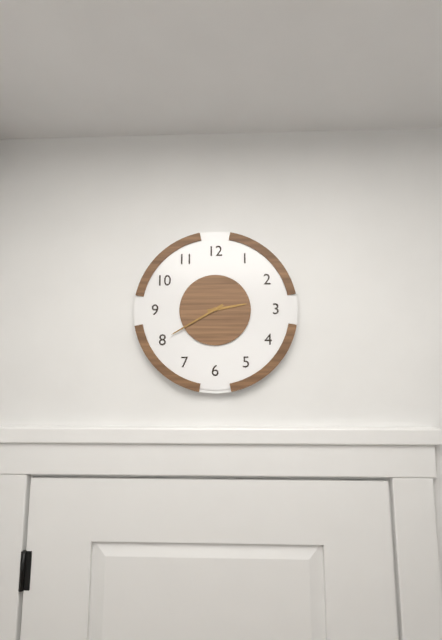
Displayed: 2 h 40 min
